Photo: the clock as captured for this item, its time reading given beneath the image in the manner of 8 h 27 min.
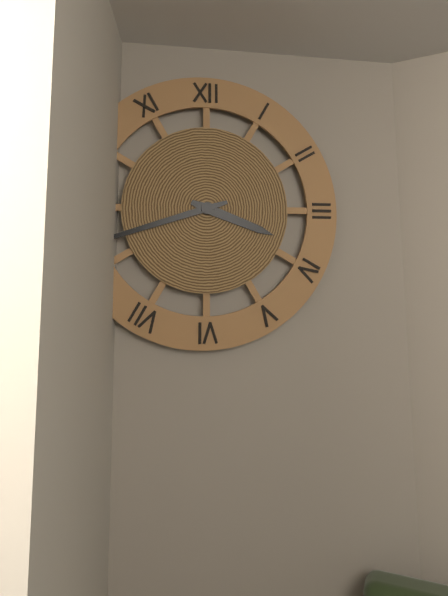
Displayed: 3 h 42 min
